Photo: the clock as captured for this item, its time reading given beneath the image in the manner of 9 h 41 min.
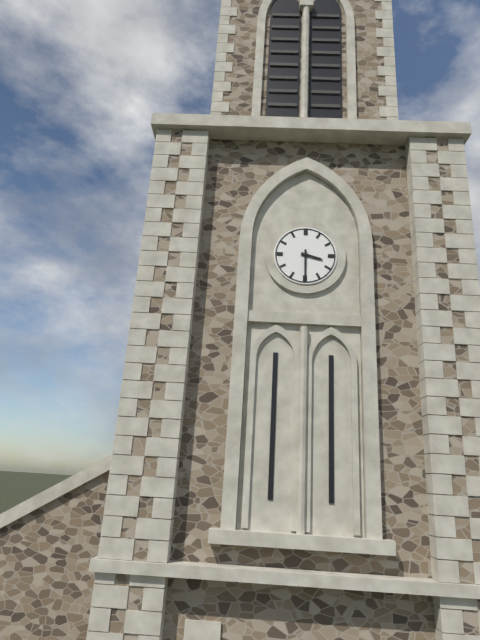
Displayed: 3 h 30 min
